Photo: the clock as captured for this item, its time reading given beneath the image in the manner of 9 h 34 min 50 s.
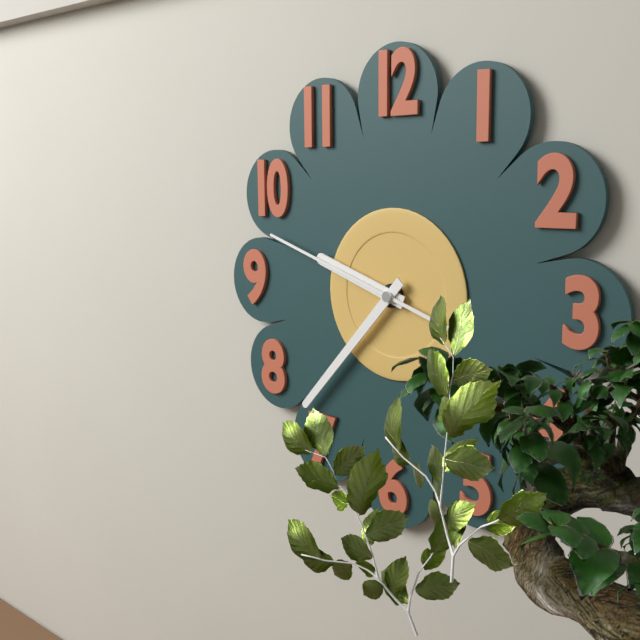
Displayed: 9 h 37 min 48 s
